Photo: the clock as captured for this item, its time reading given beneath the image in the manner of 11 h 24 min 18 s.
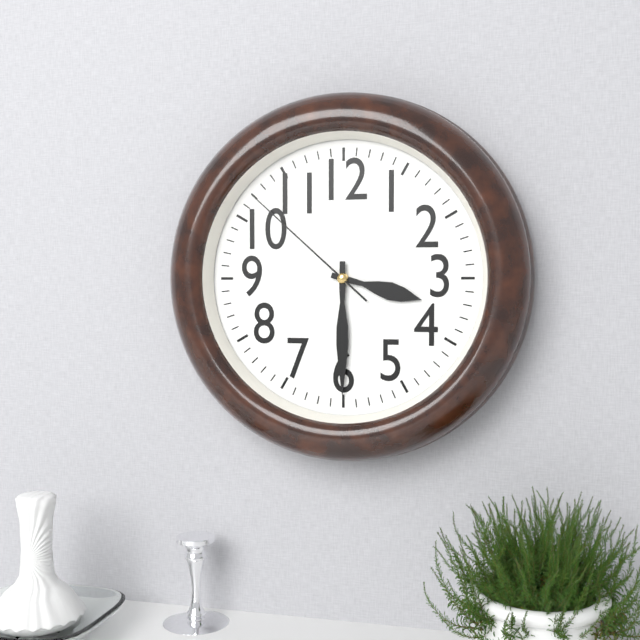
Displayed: 3 h 30 min 52 s
